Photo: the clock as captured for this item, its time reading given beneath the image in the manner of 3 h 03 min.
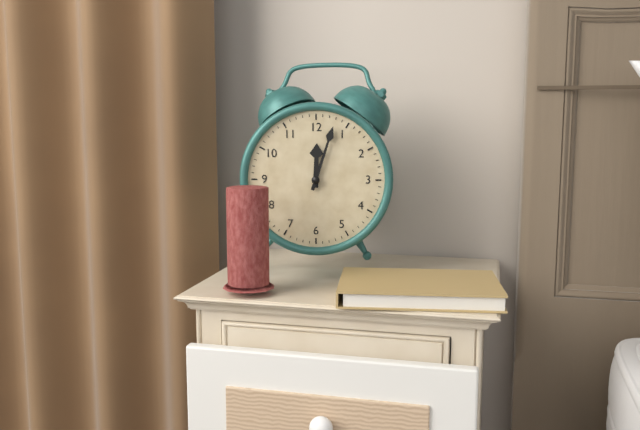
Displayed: 12 h 03 min
